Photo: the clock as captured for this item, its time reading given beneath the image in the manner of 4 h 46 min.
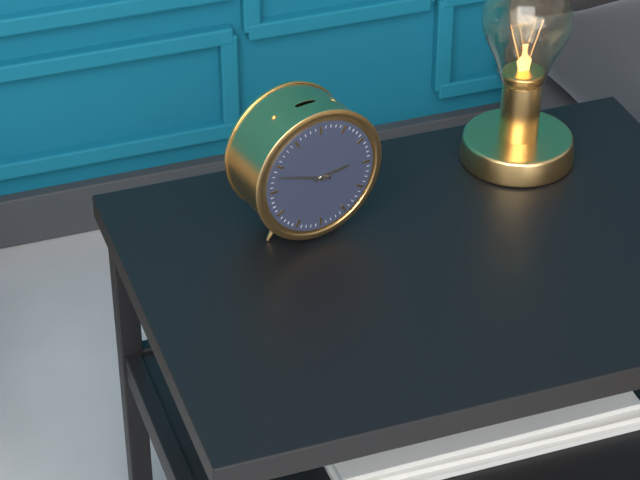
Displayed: 2 h 48 min
